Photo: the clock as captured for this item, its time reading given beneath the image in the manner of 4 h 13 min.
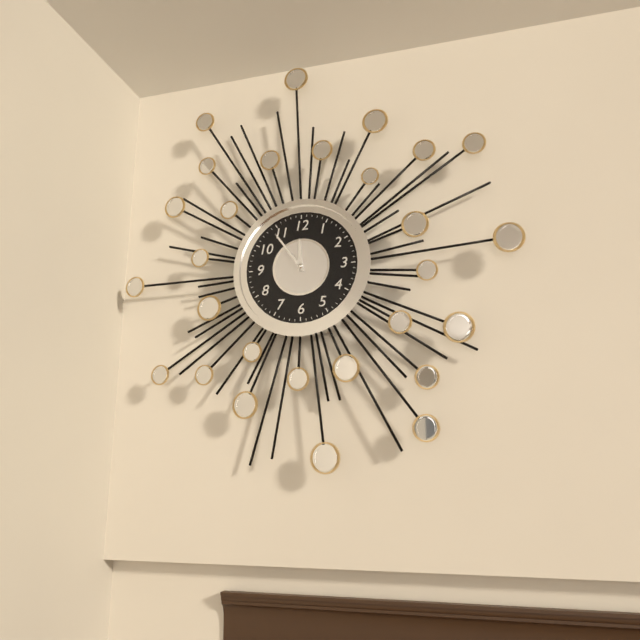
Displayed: 11 h 54 min
